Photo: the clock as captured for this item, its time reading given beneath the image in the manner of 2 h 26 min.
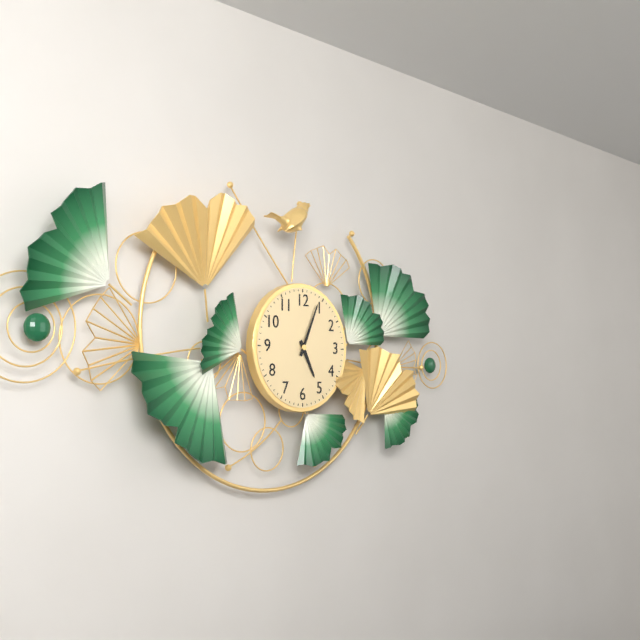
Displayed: 5 h 04 min
